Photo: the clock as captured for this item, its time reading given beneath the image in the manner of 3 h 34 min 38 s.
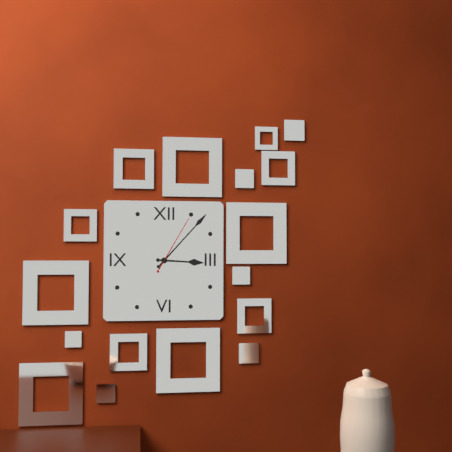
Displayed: 3 h 07 min 05 s
